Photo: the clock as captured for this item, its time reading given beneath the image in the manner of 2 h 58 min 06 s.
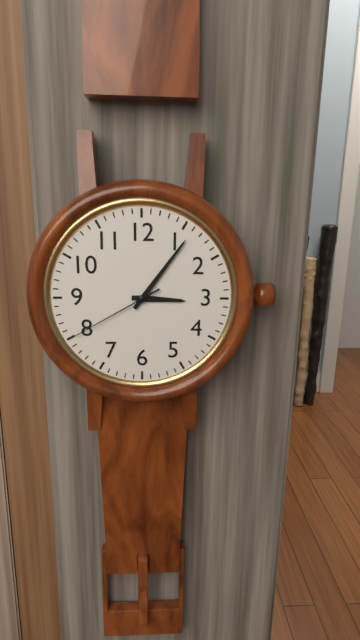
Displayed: 3 h 06 min 40 s
